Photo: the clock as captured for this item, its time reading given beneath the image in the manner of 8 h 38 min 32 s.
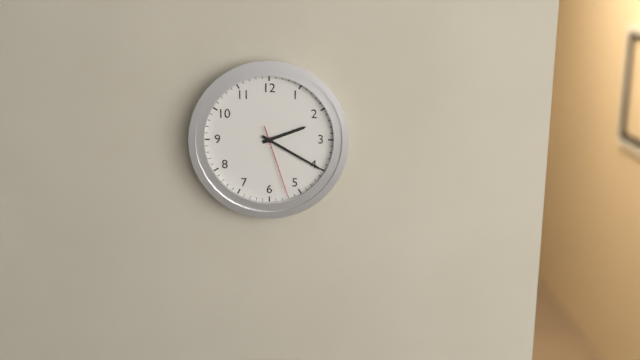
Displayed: 2 h 20 min 27 s
